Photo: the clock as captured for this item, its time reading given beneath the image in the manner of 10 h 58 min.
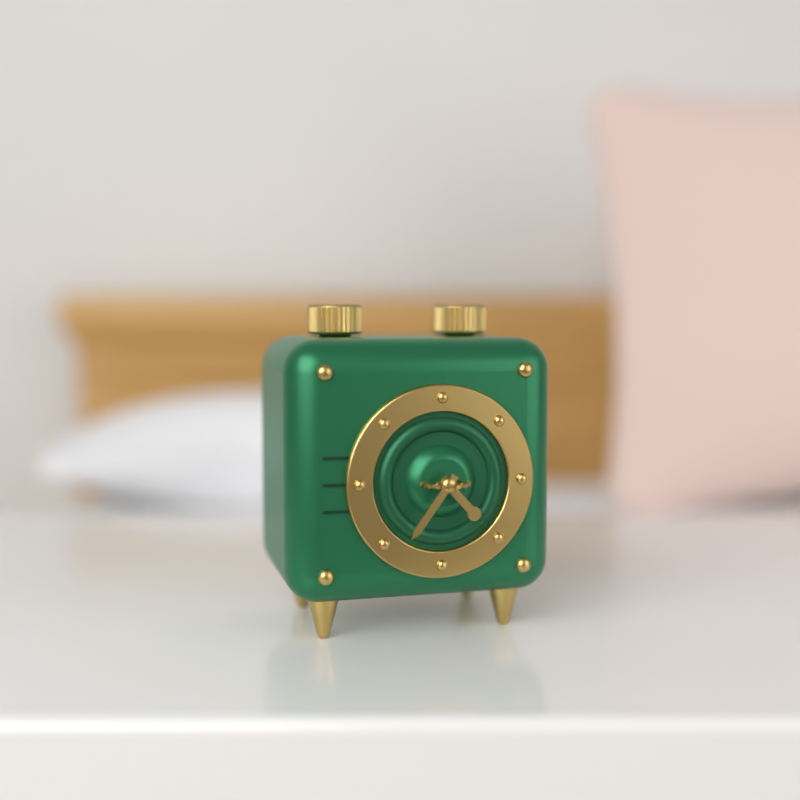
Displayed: 4 h 36 min
